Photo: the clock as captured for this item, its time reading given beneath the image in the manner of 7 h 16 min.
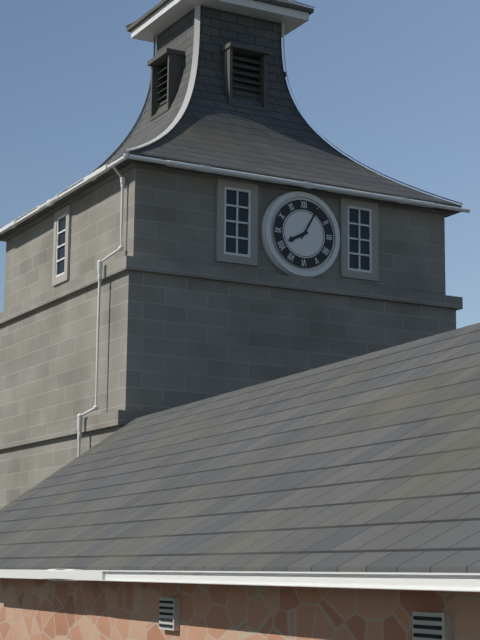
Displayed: 8 h 05 min
